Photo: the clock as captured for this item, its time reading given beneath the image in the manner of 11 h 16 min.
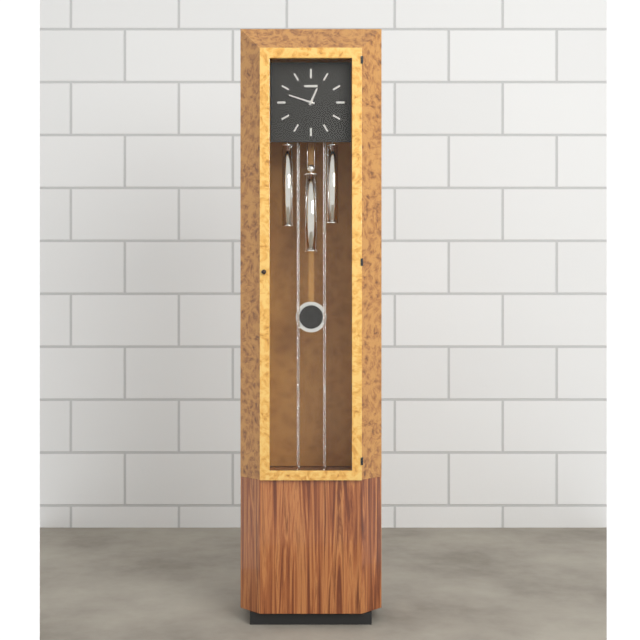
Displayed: 12 h 48 min
